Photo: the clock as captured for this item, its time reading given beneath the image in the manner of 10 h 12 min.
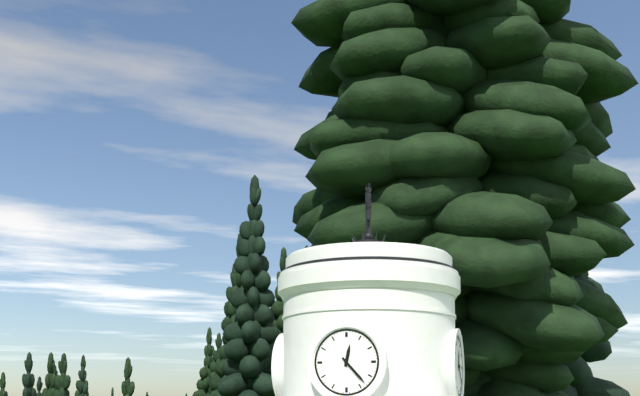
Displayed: 12 h 23 min
